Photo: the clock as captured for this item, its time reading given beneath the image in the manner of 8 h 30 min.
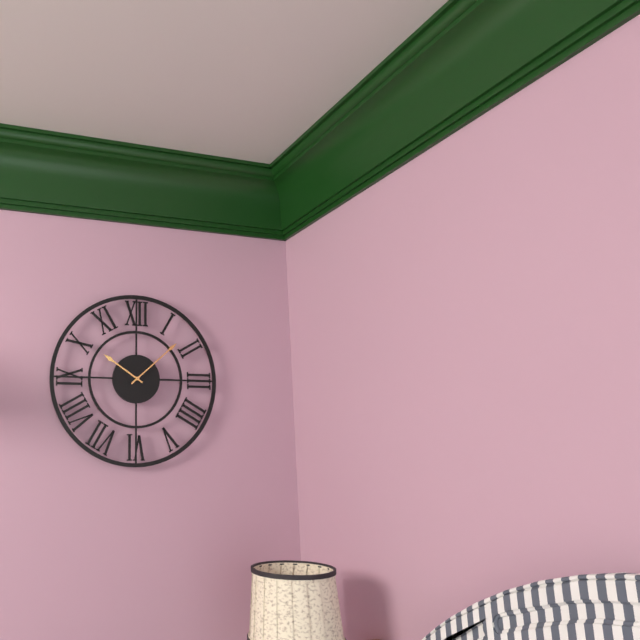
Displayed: 10 h 08 min
